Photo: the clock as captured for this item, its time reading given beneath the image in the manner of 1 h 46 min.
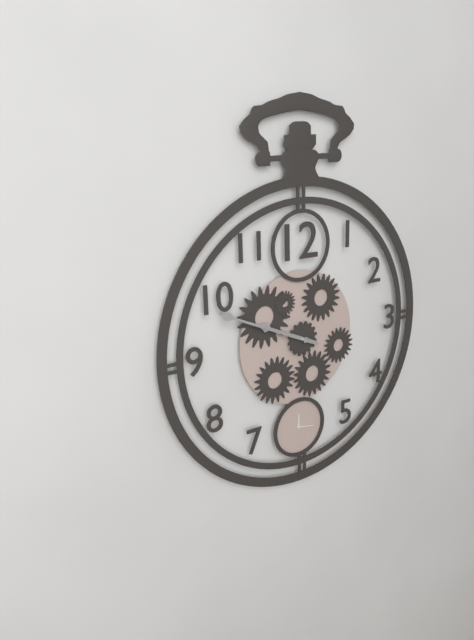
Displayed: 9 h 49 min
